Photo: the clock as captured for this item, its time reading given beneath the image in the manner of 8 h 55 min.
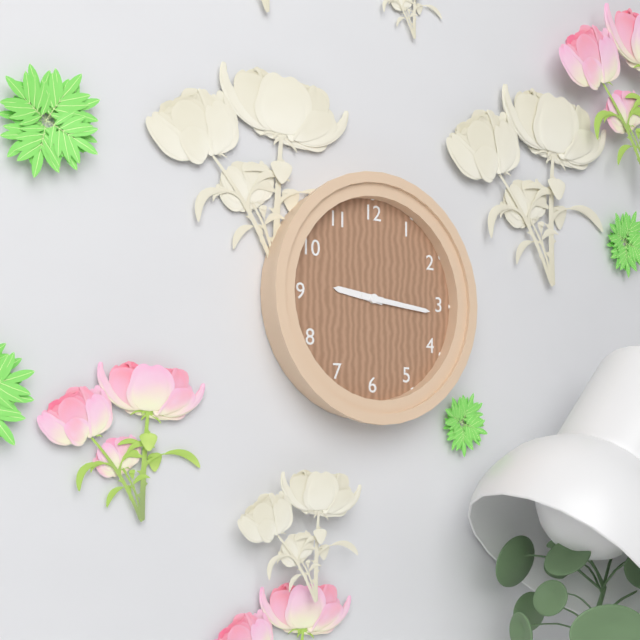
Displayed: 9 h 16 min
